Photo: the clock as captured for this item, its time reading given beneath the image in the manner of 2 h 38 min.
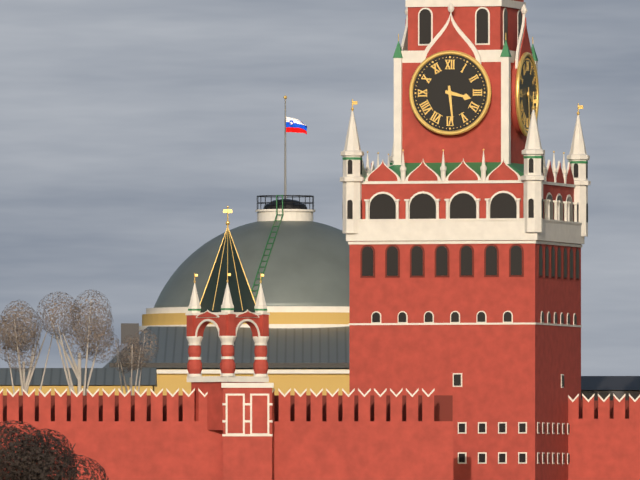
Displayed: 3 h 29 min
